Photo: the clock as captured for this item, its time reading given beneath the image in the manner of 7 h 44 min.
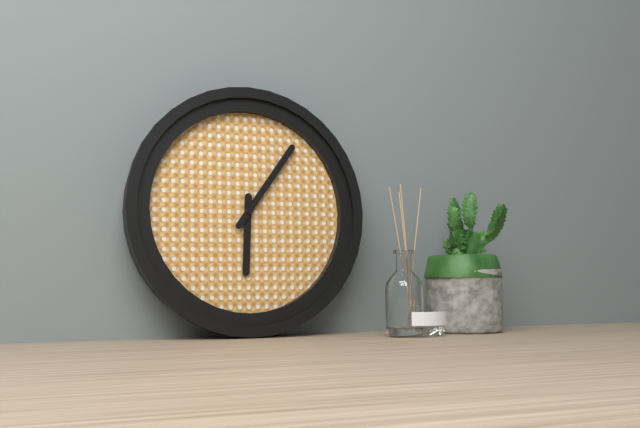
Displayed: 6 h 06 min
